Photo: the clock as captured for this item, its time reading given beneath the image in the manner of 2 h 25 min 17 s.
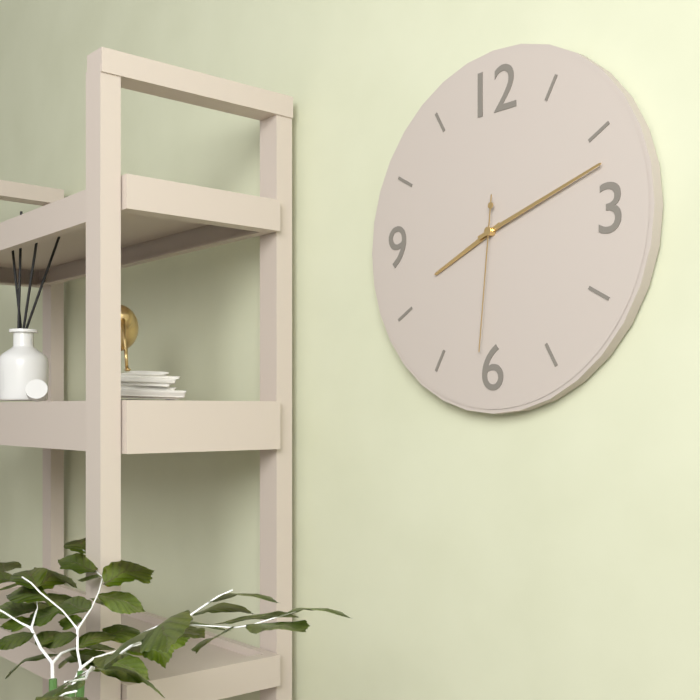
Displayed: 8 h 12 min 31 s
